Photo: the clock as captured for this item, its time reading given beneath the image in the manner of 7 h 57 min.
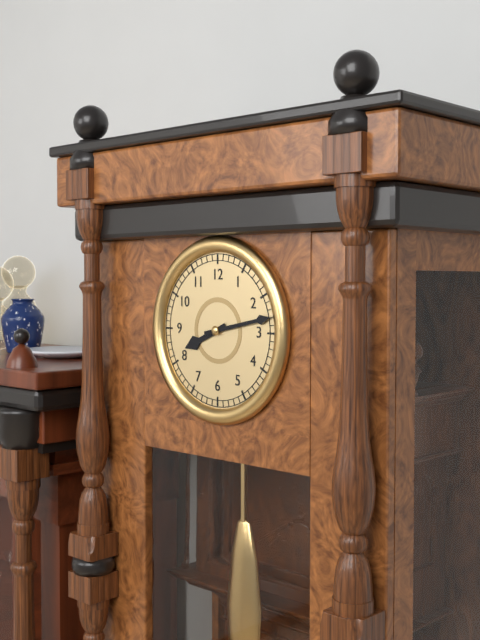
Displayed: 8 h 13 min
